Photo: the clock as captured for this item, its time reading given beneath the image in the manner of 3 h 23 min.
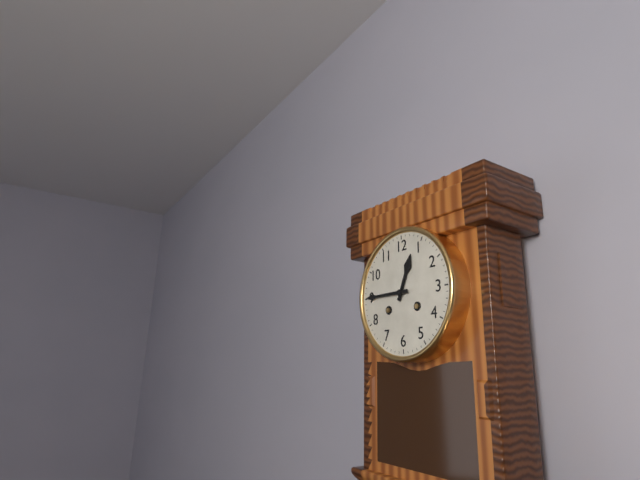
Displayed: 12 h 45 min
